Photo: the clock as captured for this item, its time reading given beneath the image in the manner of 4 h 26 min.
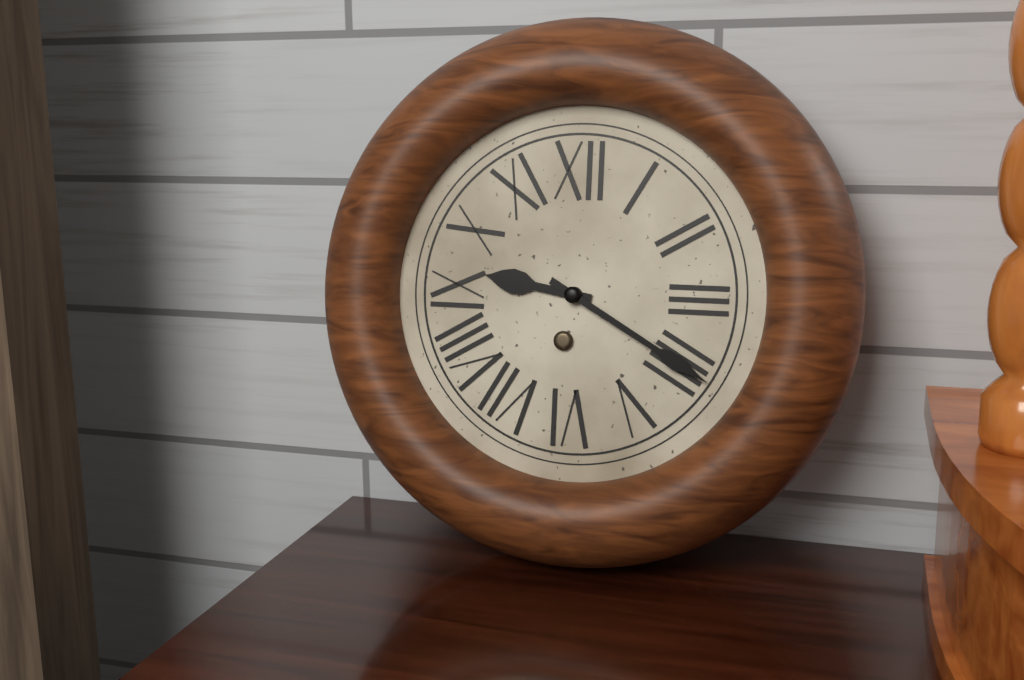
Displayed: 9 h 20 min
